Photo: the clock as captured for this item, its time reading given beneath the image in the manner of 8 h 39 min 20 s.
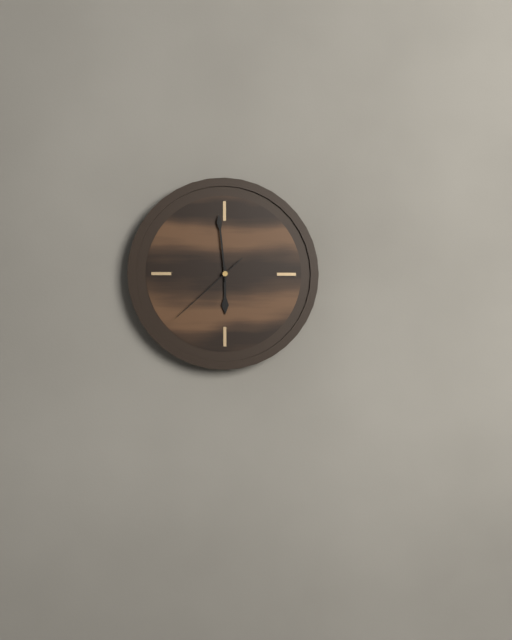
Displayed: 5 h 59 min 38 s
